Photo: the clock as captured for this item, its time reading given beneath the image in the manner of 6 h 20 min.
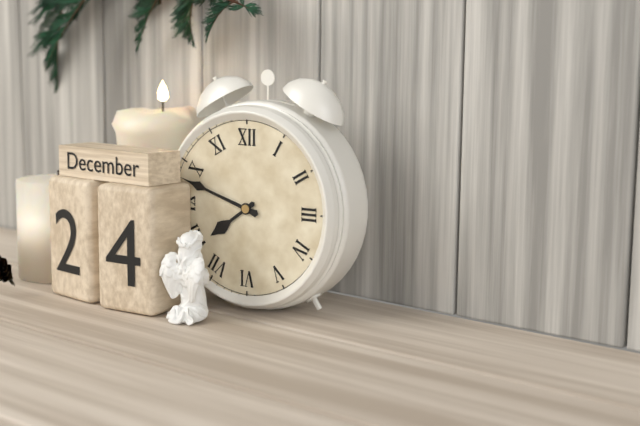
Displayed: 7 h 48 min
